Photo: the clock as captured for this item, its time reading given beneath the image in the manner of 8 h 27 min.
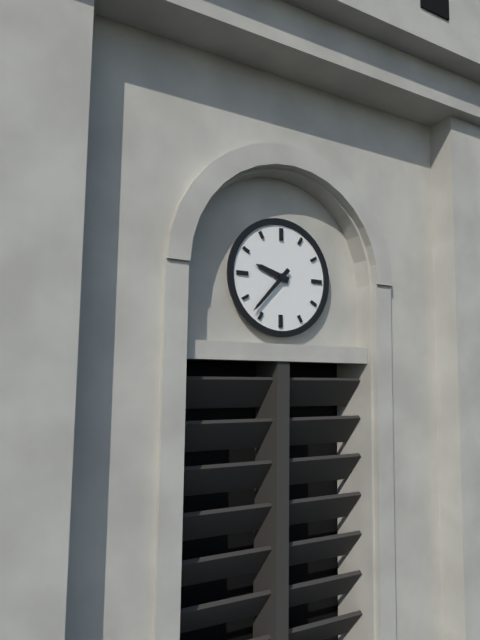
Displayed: 9 h 37 min
